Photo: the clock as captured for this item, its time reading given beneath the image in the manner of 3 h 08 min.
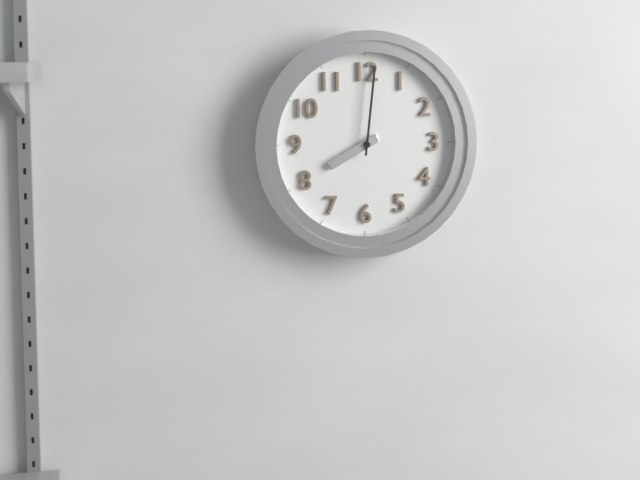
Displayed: 8 h 01 min
